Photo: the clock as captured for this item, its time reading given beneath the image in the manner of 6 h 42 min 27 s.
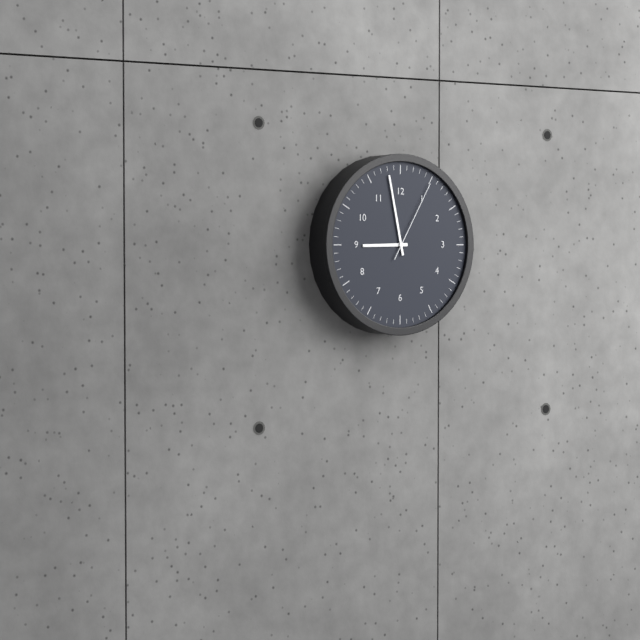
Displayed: 8 h 58 min 05 s
